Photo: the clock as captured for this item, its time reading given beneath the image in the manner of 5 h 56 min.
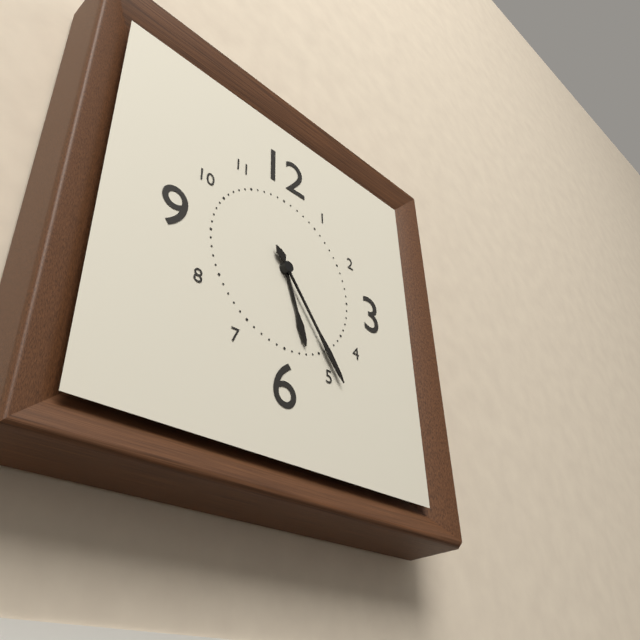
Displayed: 5 h 24 min
